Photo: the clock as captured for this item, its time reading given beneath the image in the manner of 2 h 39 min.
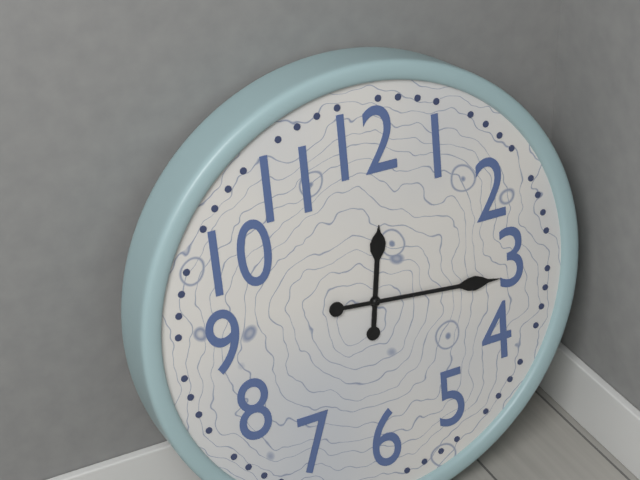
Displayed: 12 h 16 min
